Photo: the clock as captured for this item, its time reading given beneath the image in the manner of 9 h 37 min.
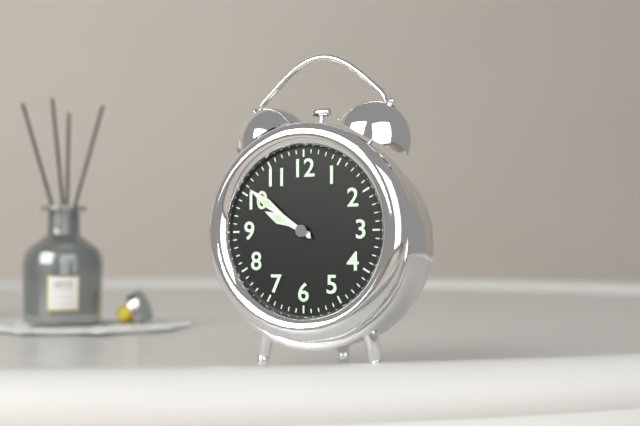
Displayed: 9 h 51 min
